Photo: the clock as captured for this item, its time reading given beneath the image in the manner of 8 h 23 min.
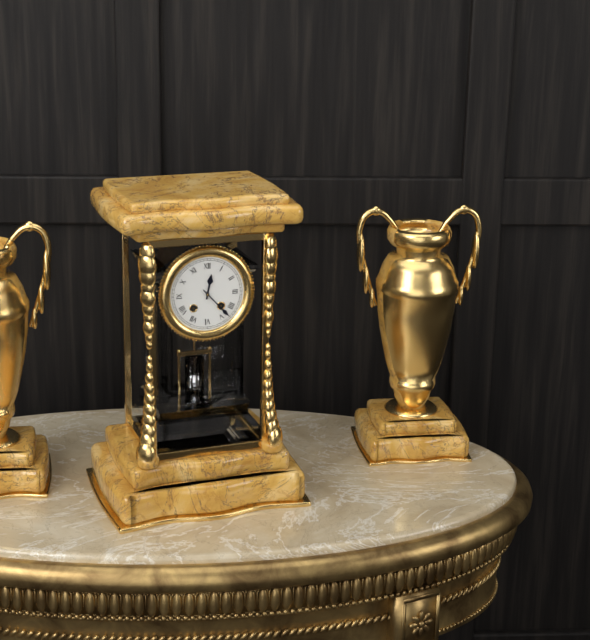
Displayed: 12 h 23 min
